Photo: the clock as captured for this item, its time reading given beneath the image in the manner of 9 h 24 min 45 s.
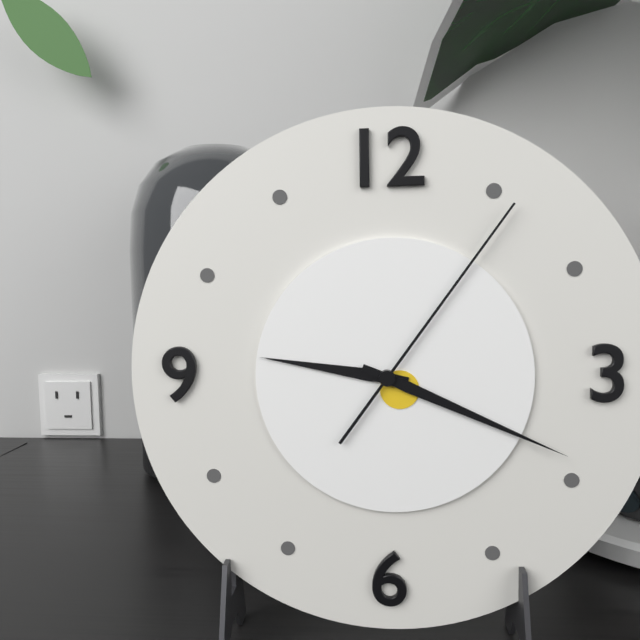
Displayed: 9 h 19 min 06 s
